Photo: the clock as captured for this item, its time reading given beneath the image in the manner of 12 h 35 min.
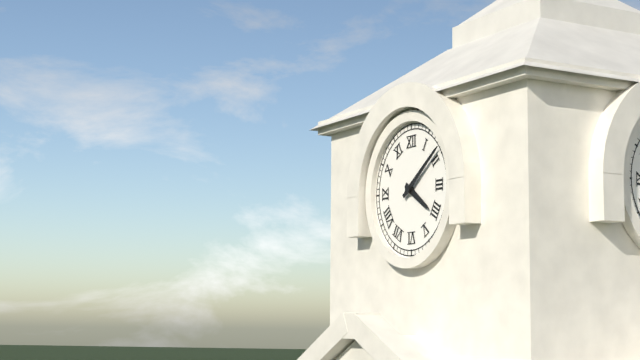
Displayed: 4 h 09 min
